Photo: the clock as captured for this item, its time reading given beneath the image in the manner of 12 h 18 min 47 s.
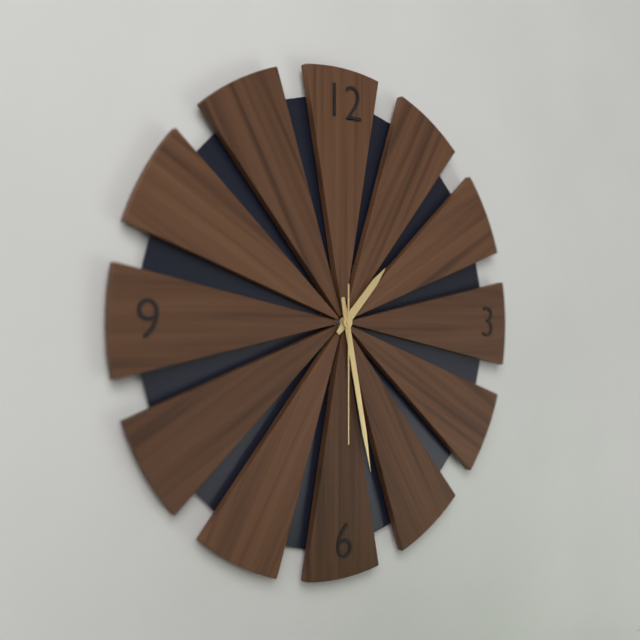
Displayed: 1 h 28 min 30 s
